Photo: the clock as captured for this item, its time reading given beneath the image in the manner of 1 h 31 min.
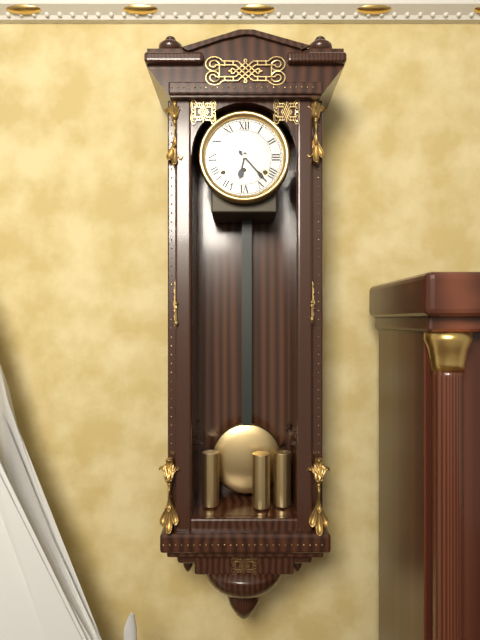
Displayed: 6 h 23 min
